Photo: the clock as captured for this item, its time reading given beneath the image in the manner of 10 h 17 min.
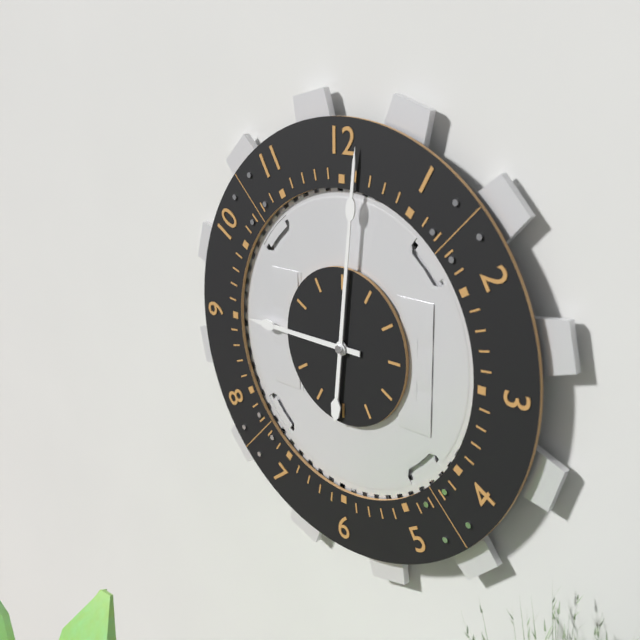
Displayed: 9 h 01 min
